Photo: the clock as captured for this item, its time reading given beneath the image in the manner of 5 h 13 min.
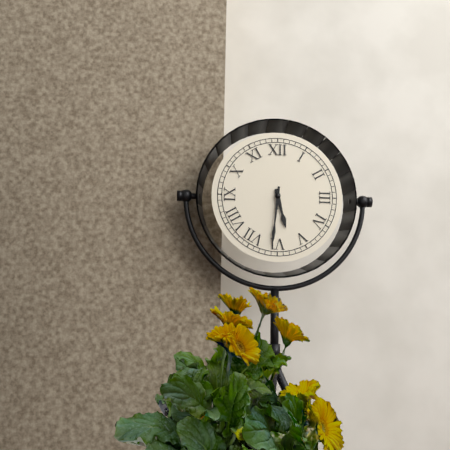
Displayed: 5 h 31 min
